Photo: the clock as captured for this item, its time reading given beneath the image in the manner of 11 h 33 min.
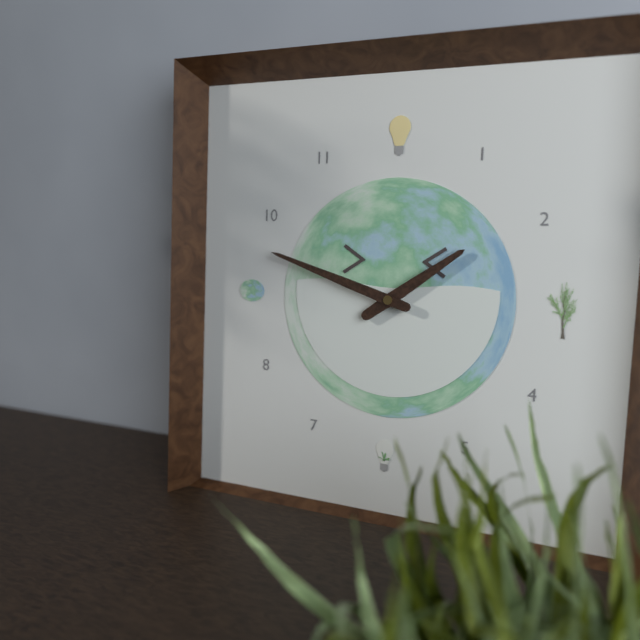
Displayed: 1 h 48 min
